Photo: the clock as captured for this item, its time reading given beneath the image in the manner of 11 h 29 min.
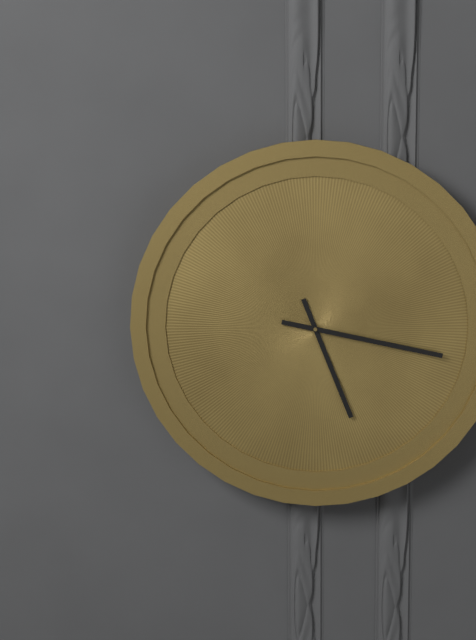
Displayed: 5 h 17 min
